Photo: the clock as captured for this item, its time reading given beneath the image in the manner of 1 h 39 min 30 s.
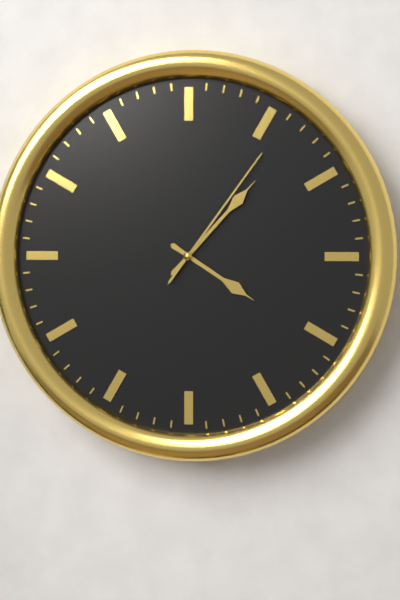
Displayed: 4 h 07 min 06 s
